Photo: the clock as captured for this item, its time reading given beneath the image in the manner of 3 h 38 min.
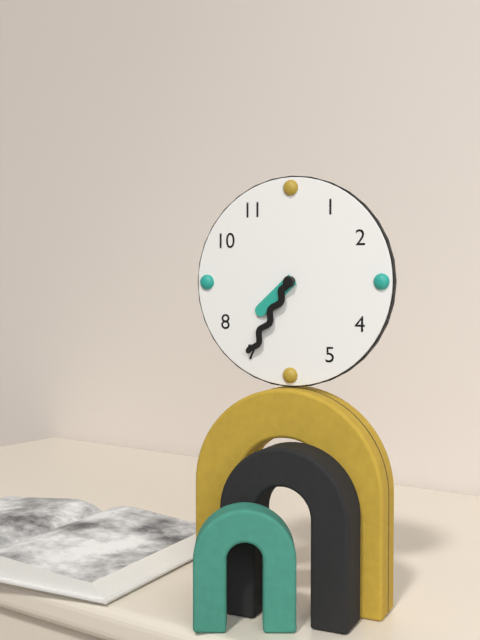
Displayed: 7 h 35 min
